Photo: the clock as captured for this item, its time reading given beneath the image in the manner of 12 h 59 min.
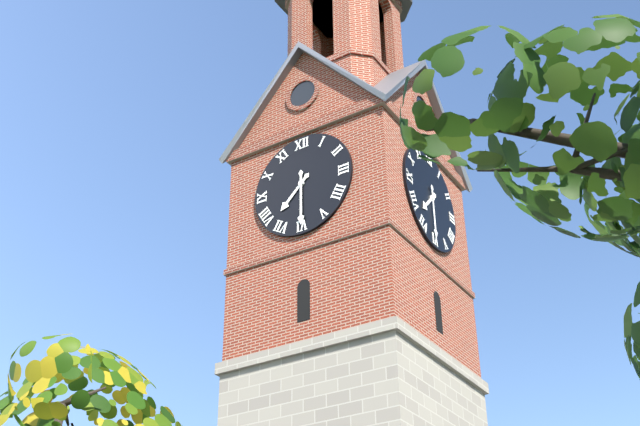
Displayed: 7 h 30 min
